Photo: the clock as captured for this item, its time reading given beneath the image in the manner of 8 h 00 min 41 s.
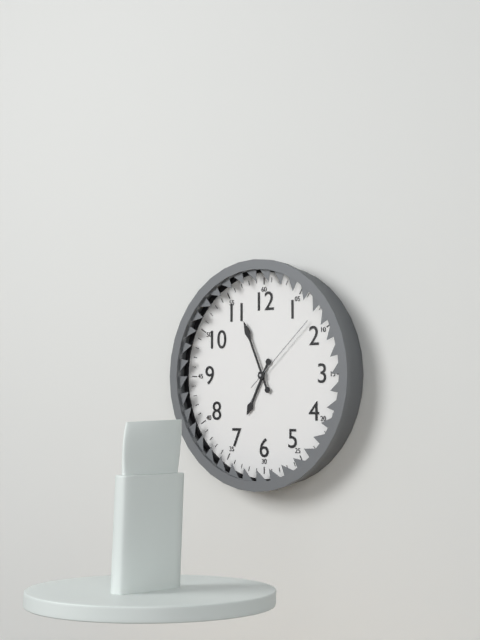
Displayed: 6 h 56 min 08 s
